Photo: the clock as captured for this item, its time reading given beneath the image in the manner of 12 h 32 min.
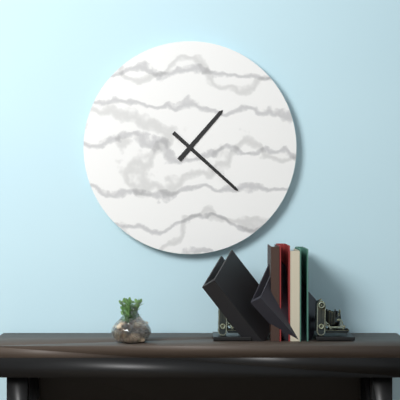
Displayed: 1 h 22 min
